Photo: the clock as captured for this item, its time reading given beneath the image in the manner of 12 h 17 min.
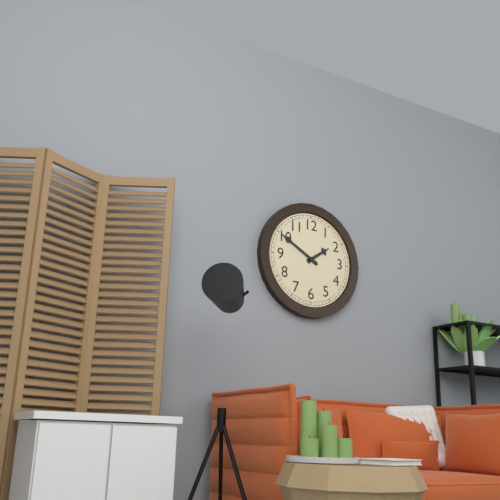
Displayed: 1 h 50 min
